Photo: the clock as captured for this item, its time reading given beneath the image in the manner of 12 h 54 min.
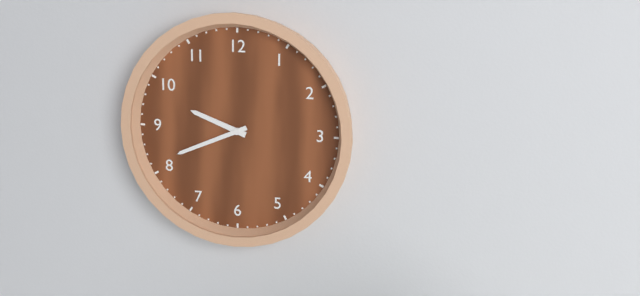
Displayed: 9 h 41 min
